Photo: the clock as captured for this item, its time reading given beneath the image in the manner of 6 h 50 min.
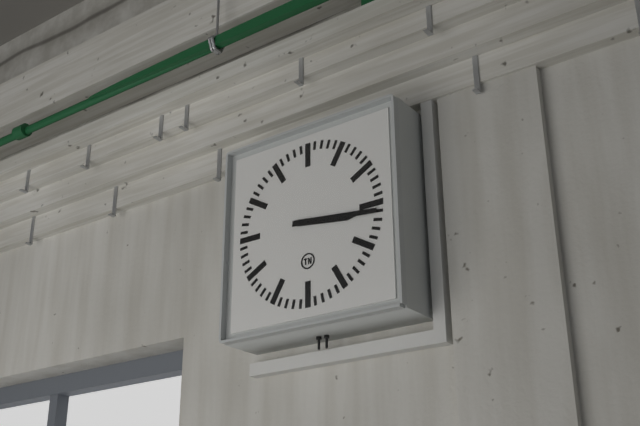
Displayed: 3 h 16 min
